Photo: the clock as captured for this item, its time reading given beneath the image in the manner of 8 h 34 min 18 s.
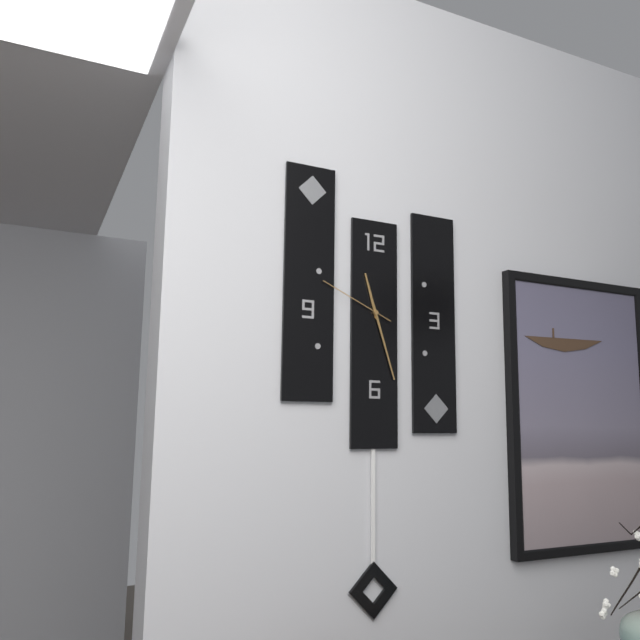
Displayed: 11 h 27 min 49 s
